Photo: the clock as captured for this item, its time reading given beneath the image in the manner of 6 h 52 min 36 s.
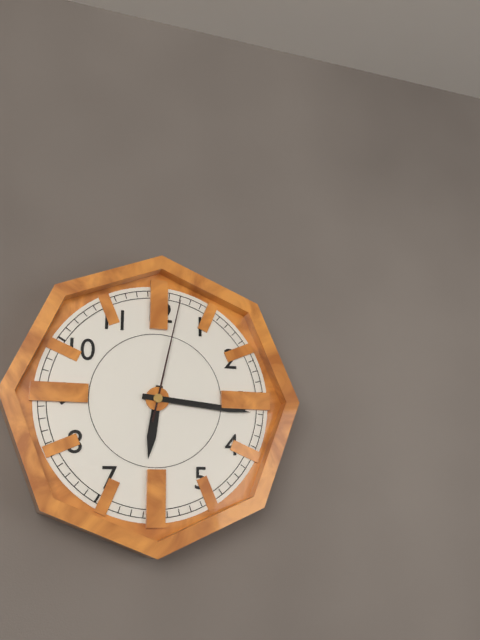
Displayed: 6 h 16 min 02 s
